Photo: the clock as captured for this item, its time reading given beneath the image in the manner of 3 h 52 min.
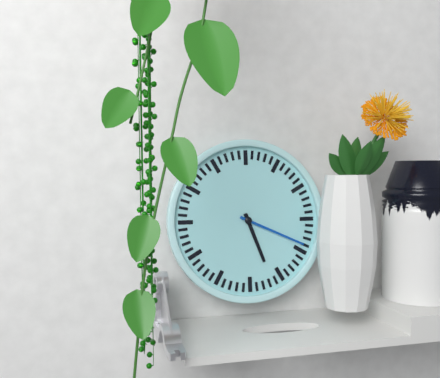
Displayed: 5 h 19 min
